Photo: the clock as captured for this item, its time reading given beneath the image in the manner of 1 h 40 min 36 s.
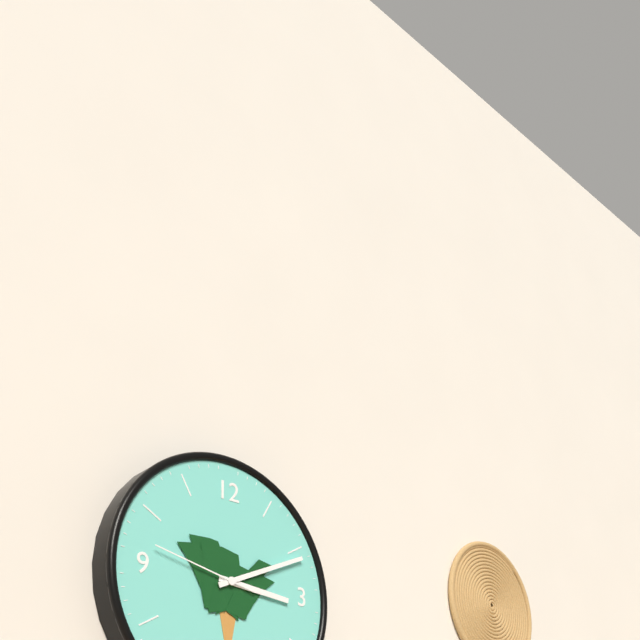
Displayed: 3 h 11 min 47 s
